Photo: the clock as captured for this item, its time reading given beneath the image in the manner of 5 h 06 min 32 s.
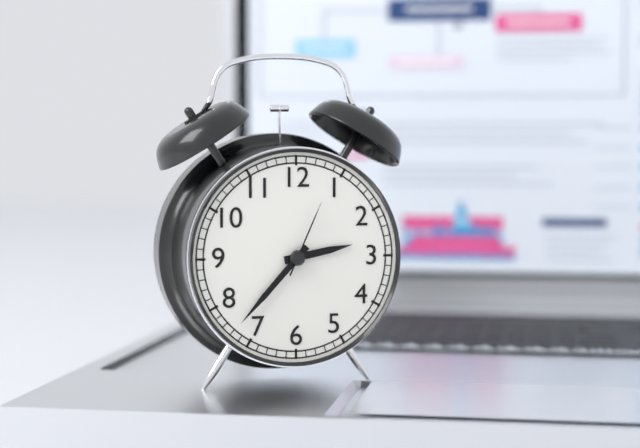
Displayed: 2 h 37 min 04 s
